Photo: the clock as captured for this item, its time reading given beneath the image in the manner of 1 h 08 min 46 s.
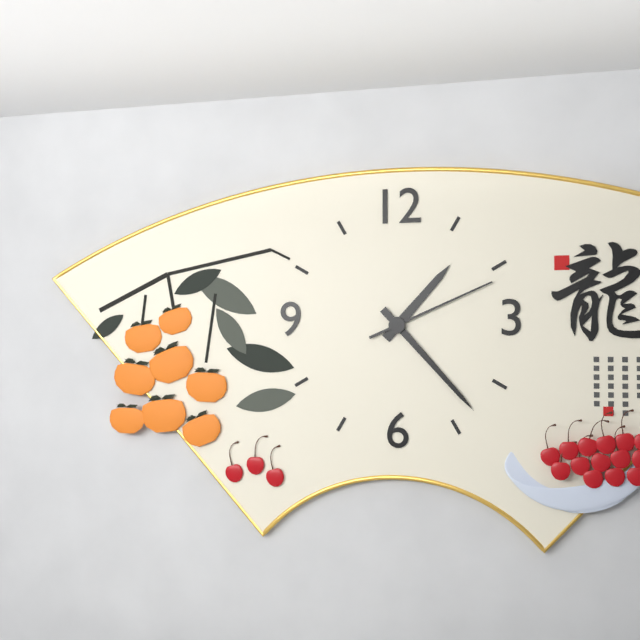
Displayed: 1 h 23 min 11 s
